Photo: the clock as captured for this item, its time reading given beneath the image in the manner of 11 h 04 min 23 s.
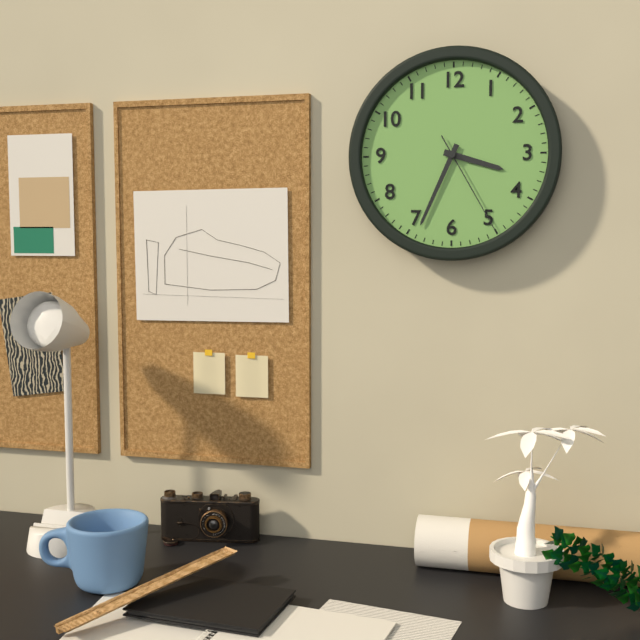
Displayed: 3 h 34 min 25 s
